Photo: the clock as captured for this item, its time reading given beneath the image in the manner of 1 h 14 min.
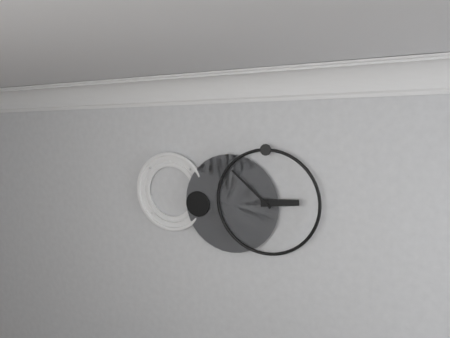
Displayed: 2 h 52 min
